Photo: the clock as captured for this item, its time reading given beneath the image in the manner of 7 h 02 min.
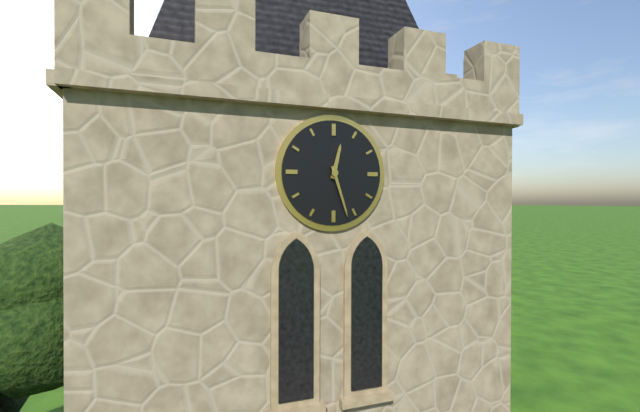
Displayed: 12 h 27 min
